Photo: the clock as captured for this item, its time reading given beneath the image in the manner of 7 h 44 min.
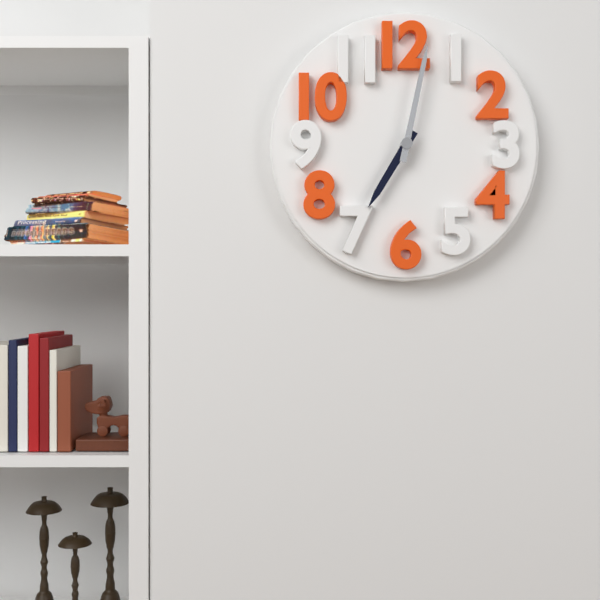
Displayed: 7 h 02 min
